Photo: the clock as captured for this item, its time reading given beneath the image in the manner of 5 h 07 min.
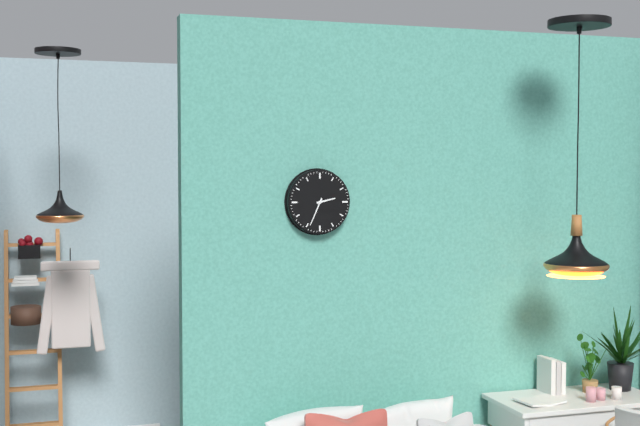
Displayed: 2 h 34 min
